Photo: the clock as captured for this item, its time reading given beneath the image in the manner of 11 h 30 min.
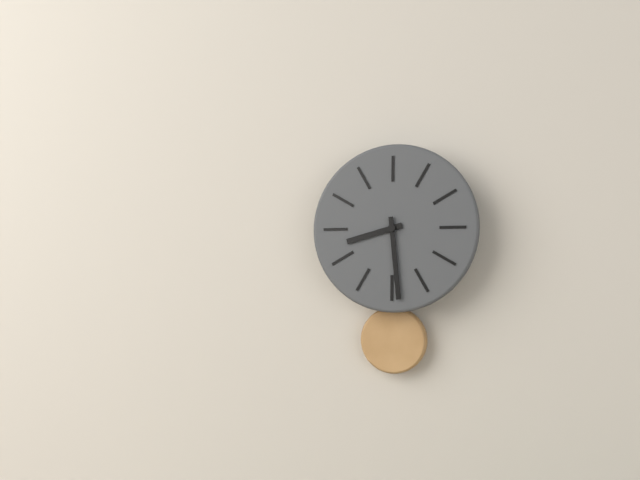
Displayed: 8 h 29 min
